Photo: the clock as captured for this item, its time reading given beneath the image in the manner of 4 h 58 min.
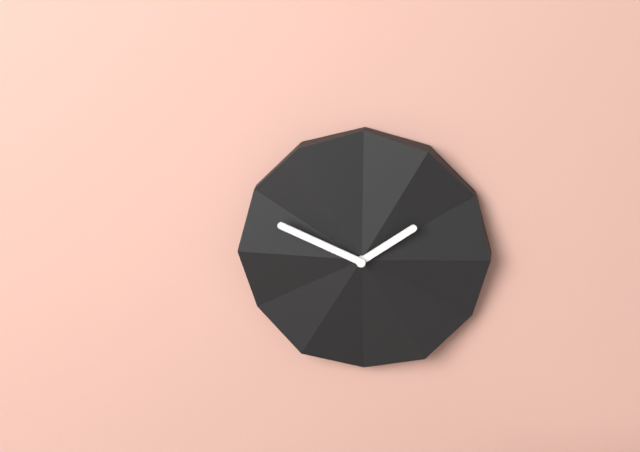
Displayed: 1 h 49 min
